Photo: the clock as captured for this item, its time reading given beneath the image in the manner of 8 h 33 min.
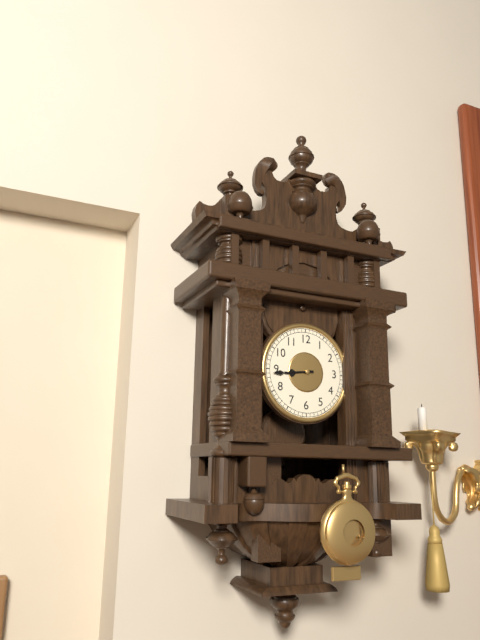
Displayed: 8 h 44 min
